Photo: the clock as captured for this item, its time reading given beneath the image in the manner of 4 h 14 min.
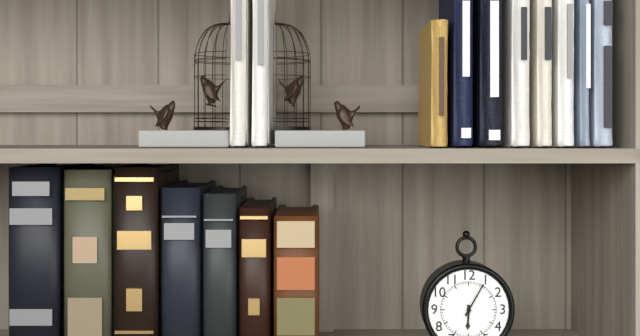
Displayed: 6 h 05 min
